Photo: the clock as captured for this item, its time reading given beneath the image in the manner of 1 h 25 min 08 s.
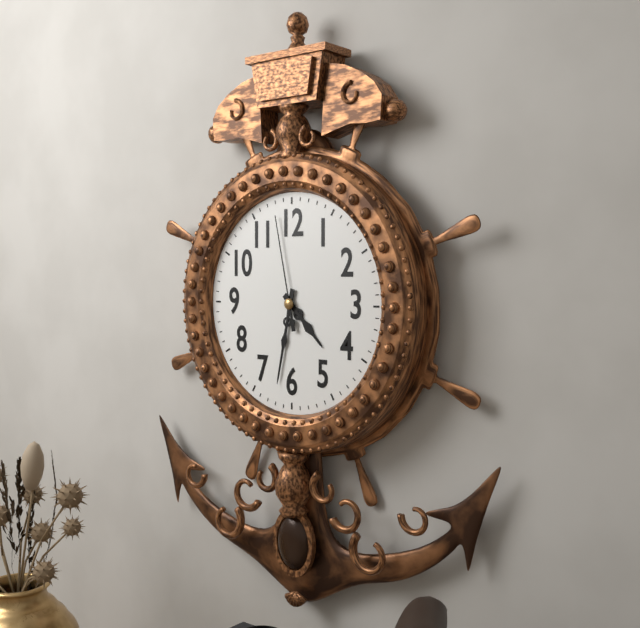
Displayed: 4 h 32 min 58 s
